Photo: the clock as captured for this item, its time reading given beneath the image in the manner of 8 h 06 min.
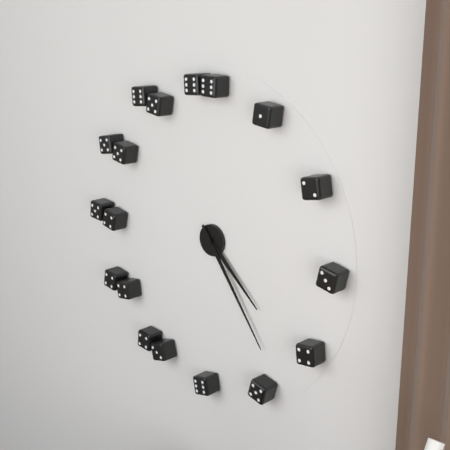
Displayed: 4 h 24 min
